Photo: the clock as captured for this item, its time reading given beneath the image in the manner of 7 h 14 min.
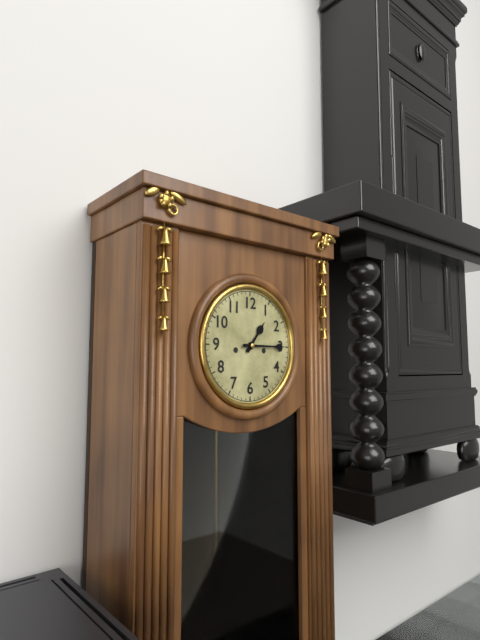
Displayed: 1 h 15 min
